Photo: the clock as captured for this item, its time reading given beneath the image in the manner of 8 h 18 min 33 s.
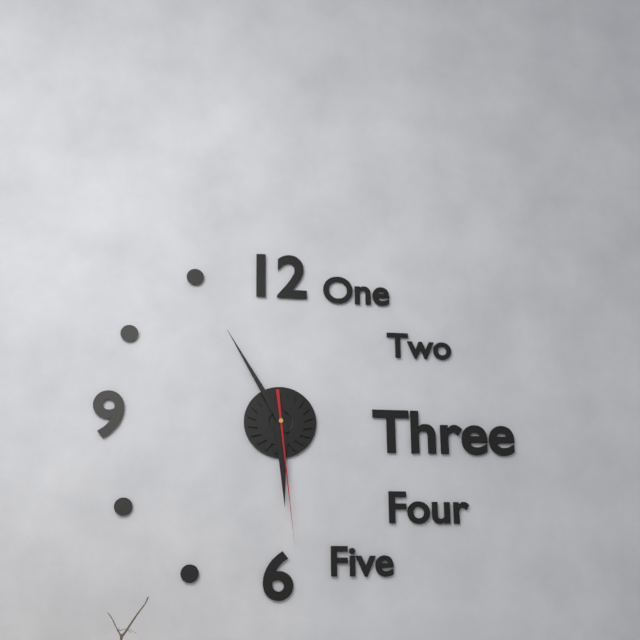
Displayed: 5 h 55 min 29 s
